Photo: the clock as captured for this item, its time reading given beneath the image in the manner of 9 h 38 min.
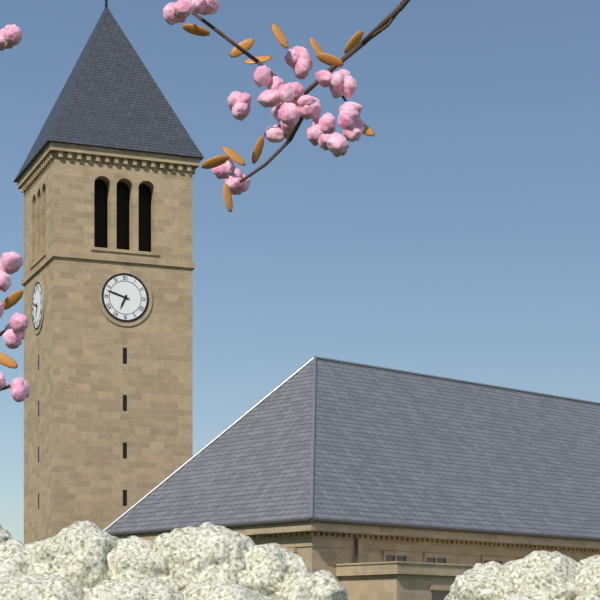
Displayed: 6 h 48 min
